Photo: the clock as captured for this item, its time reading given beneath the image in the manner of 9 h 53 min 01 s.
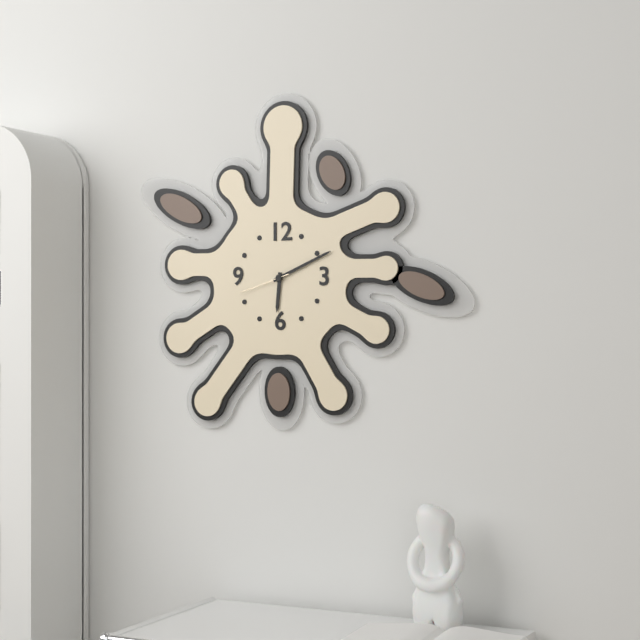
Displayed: 6 h 11 min 42 s
